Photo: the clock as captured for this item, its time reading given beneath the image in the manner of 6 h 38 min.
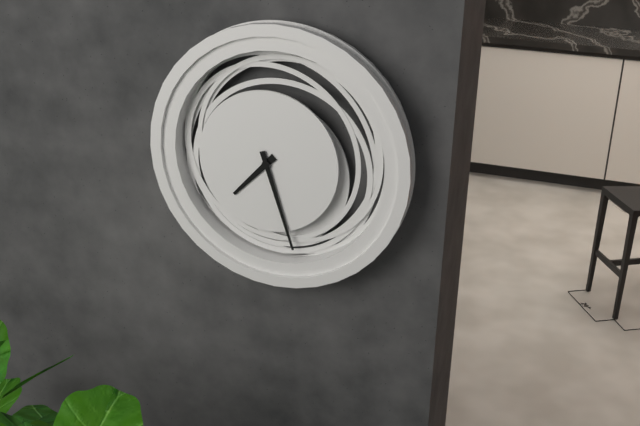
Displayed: 7 h 27 min
